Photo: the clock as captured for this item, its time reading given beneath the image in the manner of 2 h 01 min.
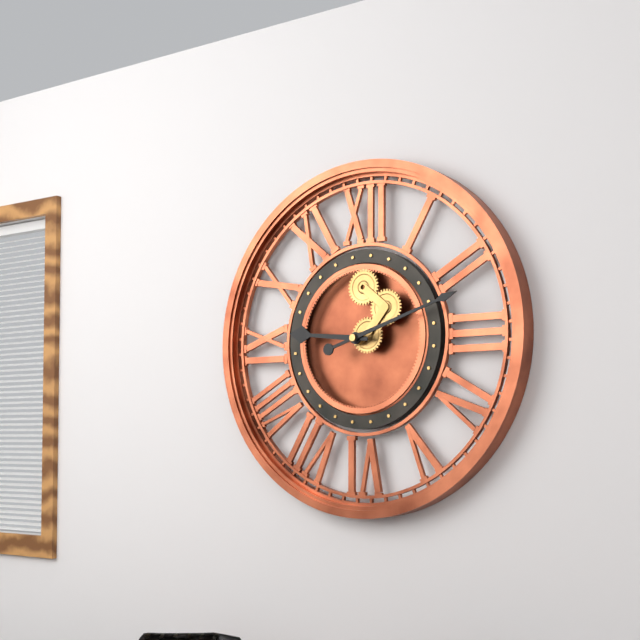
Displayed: 9 h 12 min
